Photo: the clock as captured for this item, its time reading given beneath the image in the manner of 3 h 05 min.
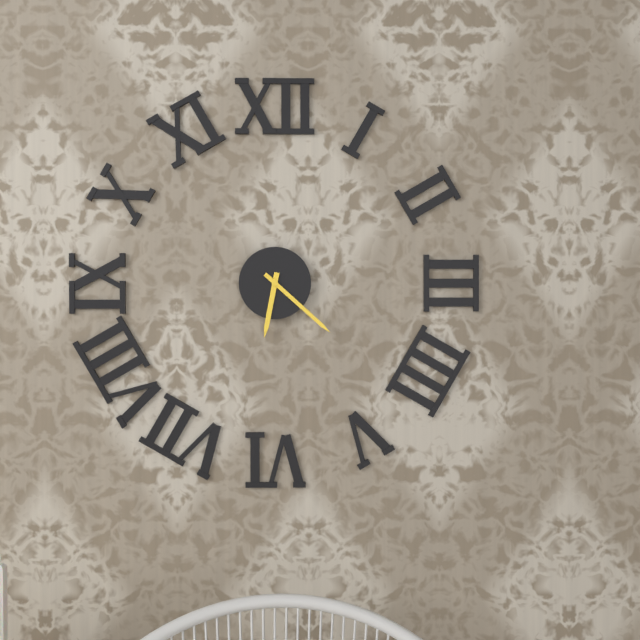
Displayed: 6 h 22 min
